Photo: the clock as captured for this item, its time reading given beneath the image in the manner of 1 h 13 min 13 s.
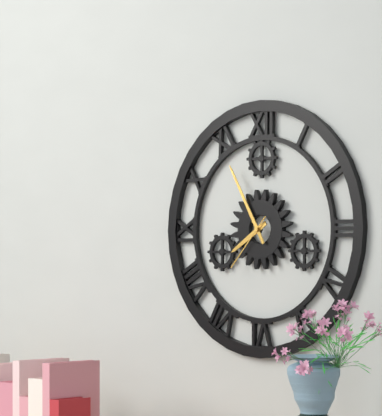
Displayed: 7 h 55 min 37 s
